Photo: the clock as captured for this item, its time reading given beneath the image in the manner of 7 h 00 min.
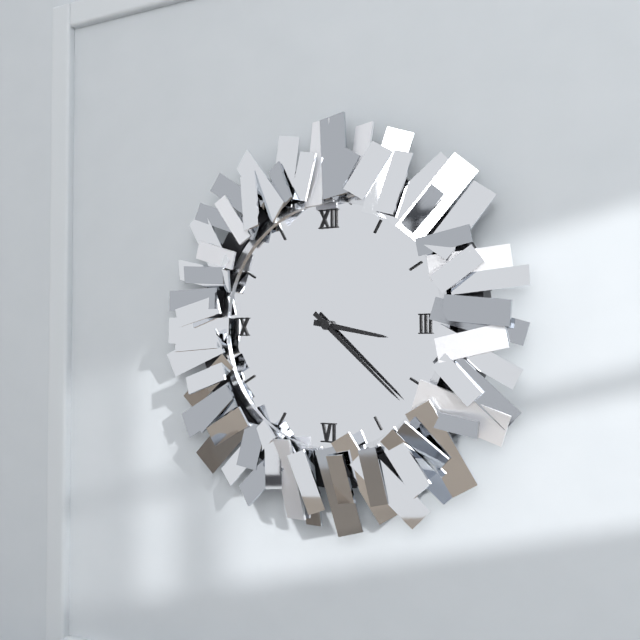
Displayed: 3 h 22 min
